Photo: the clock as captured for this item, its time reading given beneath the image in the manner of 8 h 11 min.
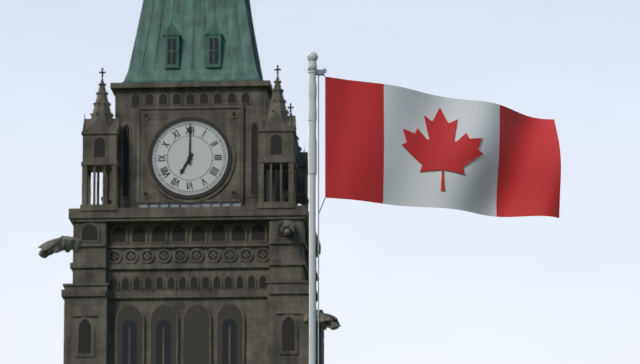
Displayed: 7 h 00 min
